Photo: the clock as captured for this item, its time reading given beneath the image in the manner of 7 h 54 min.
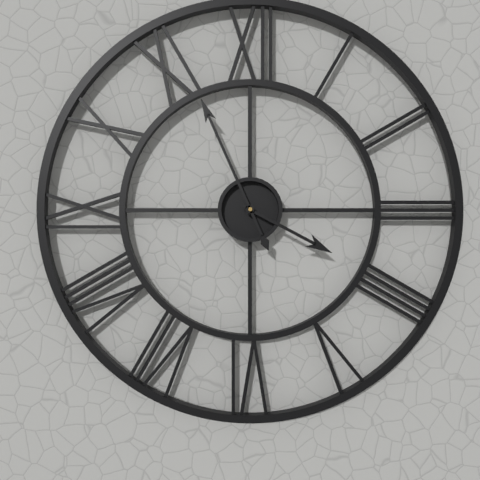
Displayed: 3 h 56 min
